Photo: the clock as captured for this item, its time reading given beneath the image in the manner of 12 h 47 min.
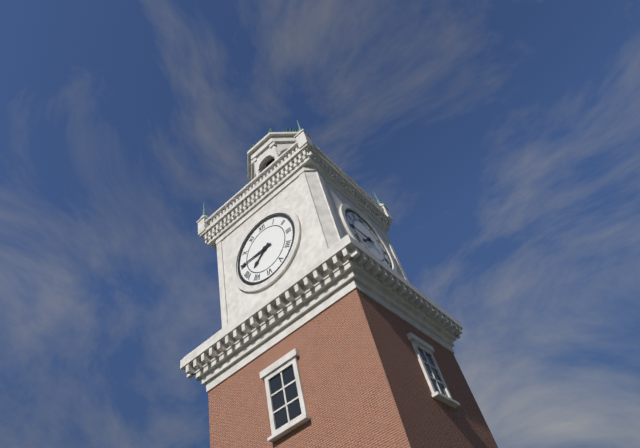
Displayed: 7 h 45 min
